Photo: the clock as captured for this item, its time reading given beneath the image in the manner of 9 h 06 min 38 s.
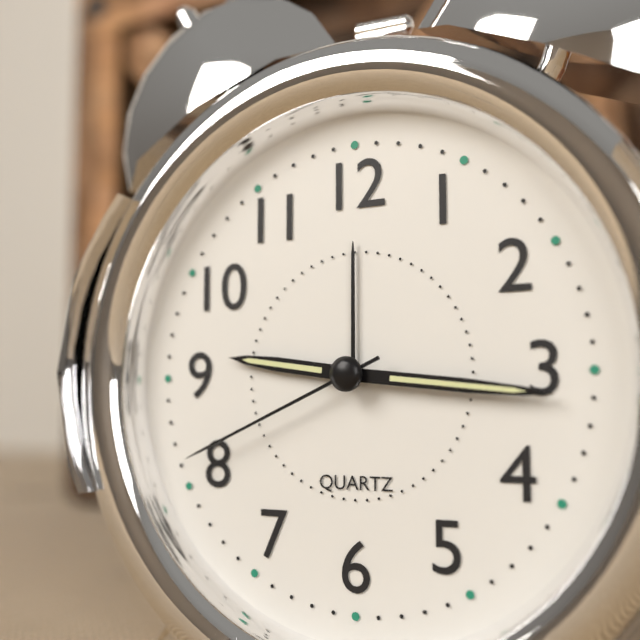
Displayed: 9 h 16 min 41 s
